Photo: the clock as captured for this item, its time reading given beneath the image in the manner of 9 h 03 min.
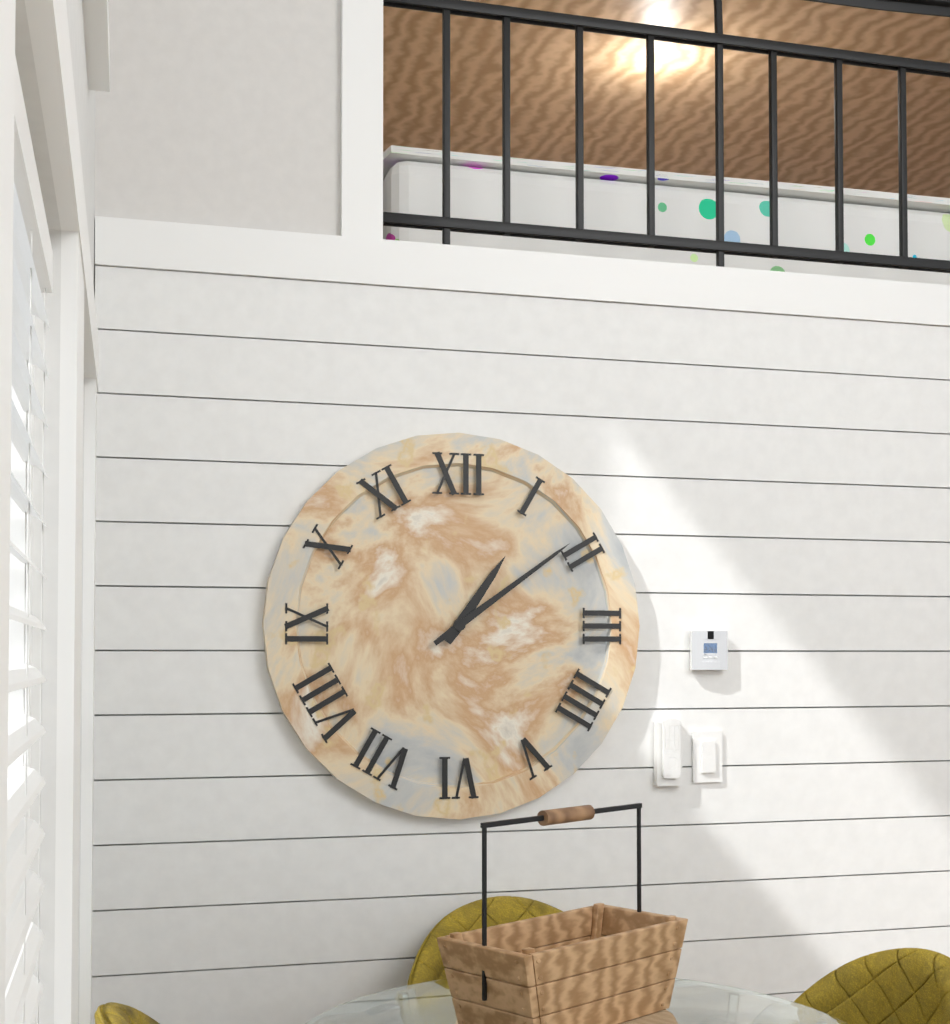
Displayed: 1 h 09 min
